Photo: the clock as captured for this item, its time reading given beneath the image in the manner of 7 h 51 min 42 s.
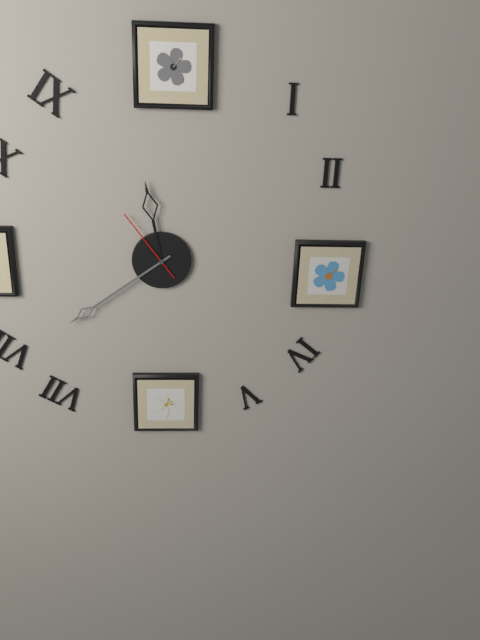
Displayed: 11 h 39 min 54 s
